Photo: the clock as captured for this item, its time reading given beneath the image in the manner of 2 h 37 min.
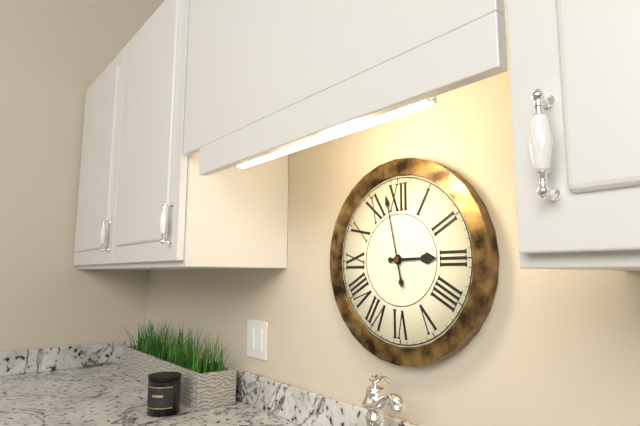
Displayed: 2 h 58 min
